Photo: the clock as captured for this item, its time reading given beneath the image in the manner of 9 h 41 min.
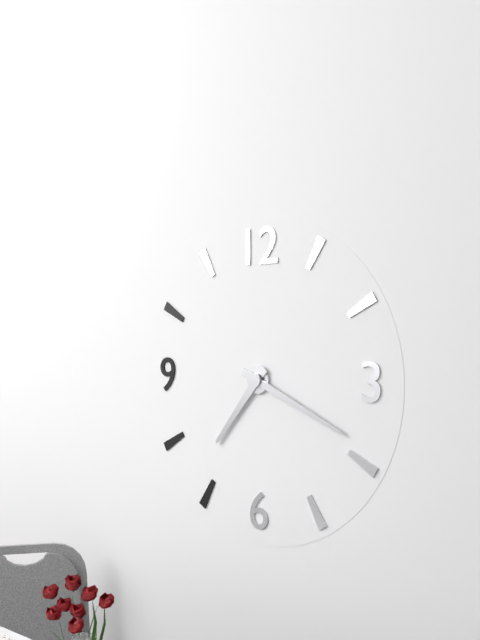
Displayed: 7 h 19 min
